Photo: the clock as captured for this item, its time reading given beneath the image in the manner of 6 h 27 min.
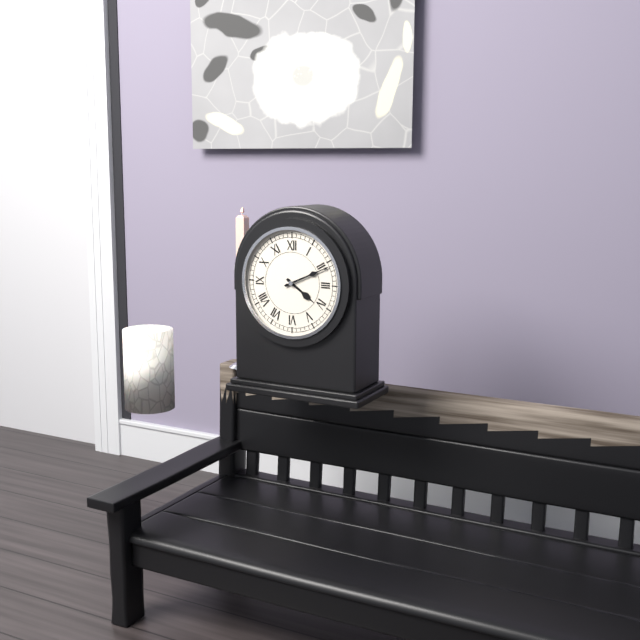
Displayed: 4 h 11 min
